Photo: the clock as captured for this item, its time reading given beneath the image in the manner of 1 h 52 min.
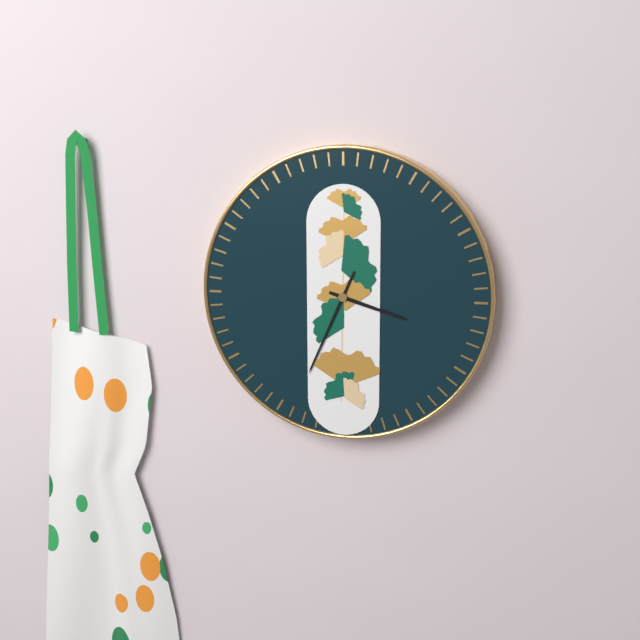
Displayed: 3 h 34 min
